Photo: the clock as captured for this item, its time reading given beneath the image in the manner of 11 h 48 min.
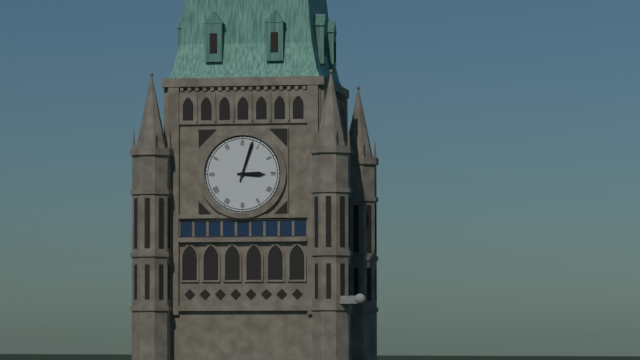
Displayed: 3 h 03 min
